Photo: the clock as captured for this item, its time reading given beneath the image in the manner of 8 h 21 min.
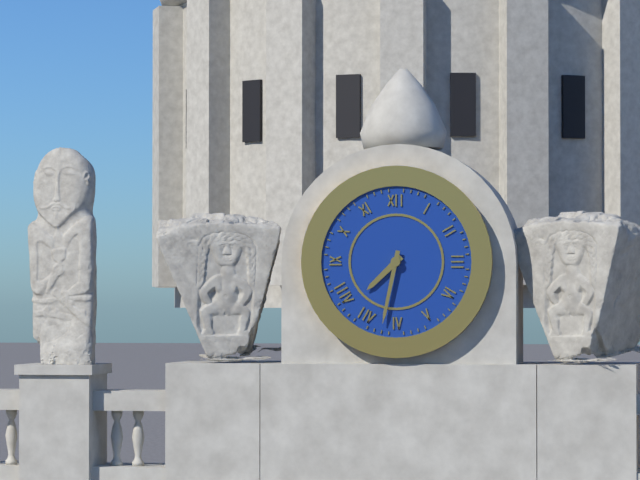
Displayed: 7 h 32 min
